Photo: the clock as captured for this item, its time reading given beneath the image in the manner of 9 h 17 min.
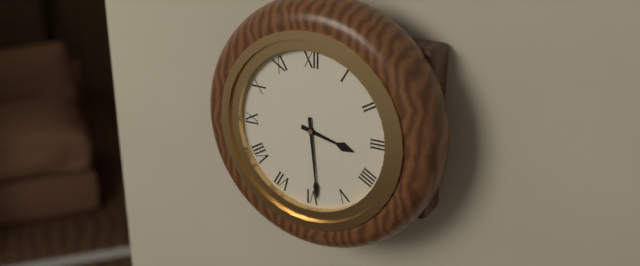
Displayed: 3 h 29 min
